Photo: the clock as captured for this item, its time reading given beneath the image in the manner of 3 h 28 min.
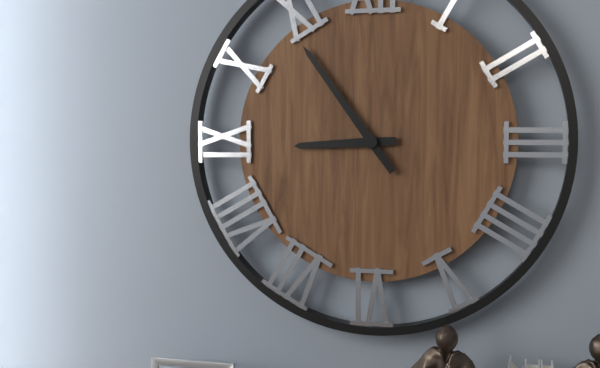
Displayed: 8 h 54 min
